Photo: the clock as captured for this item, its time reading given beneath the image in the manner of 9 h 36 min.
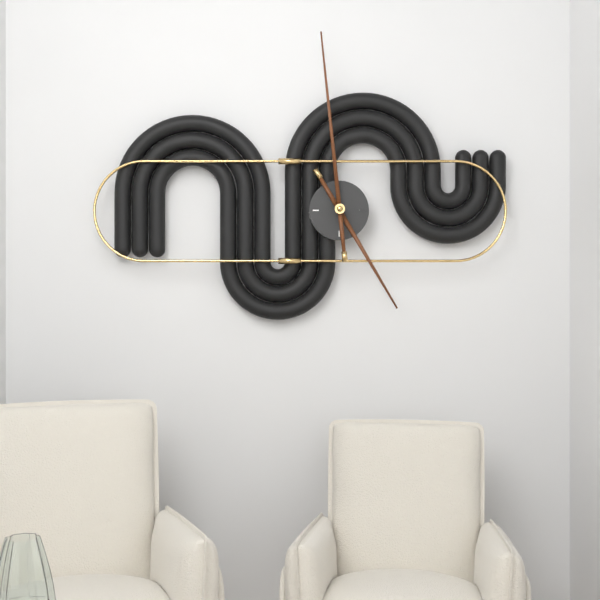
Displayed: 4 h 59 min
